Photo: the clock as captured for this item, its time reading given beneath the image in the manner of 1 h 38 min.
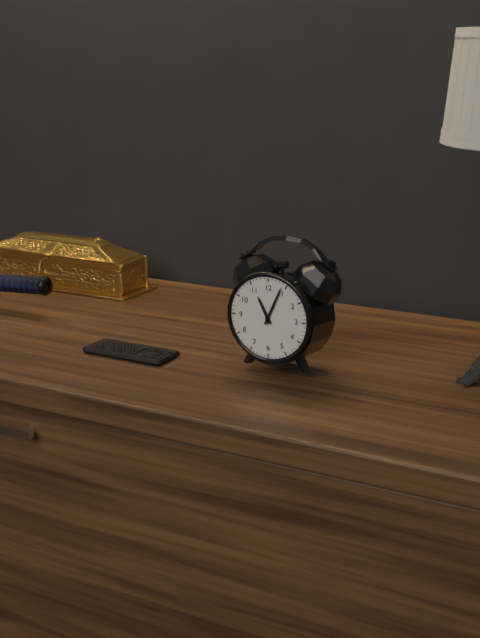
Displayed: 11 h 04 min
